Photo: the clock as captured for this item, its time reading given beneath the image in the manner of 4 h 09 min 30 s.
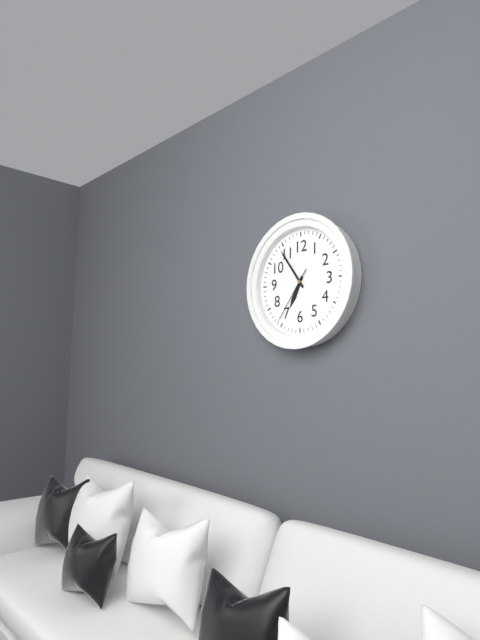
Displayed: 6 h 54 min 36 s
